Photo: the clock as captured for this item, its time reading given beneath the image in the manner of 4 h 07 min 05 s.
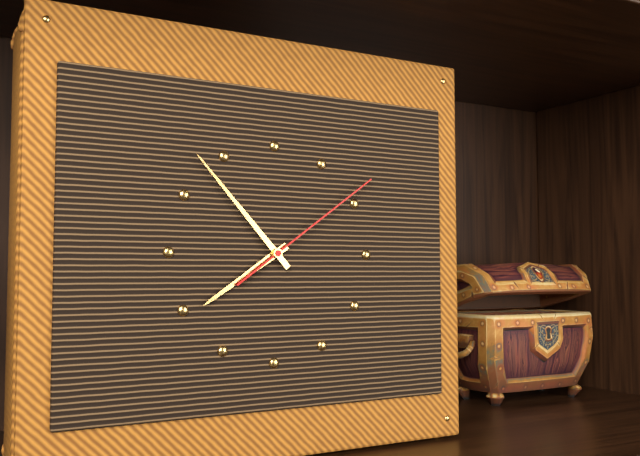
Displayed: 7 h 53 min 09 s
